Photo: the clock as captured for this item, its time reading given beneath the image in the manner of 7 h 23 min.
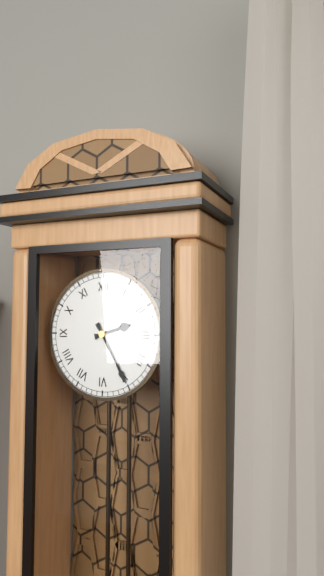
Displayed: 2 h 25 min
